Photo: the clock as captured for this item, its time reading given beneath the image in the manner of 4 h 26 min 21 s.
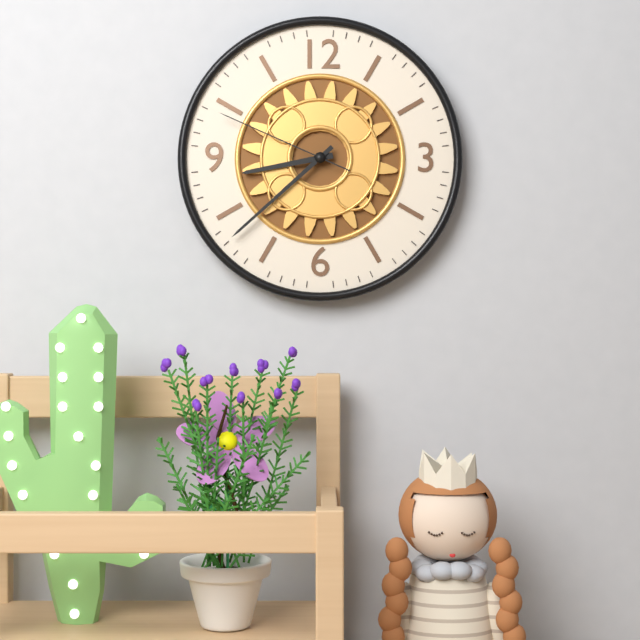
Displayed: 8 h 38 min 49 s
